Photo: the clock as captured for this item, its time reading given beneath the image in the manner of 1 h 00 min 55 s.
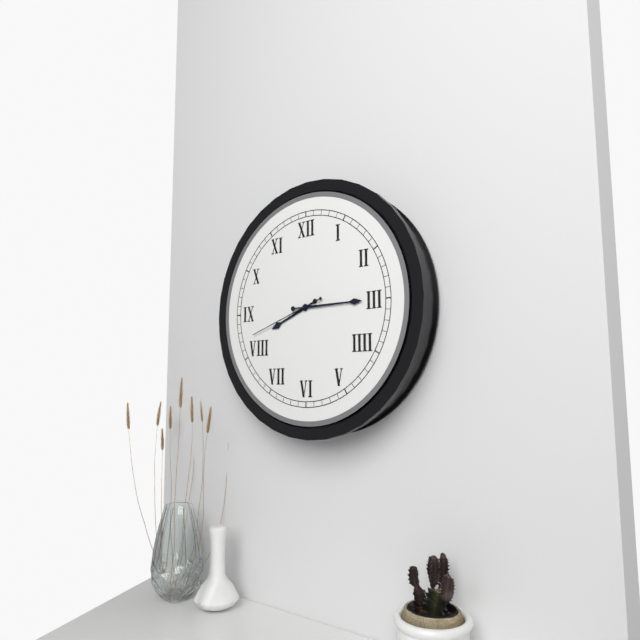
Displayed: 8 h 15 min 42 s
